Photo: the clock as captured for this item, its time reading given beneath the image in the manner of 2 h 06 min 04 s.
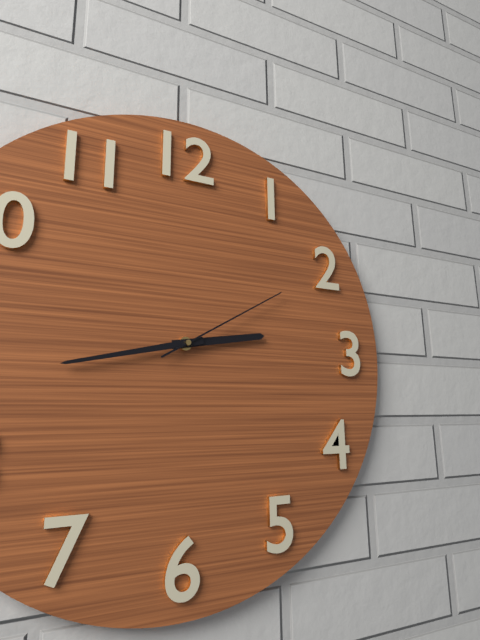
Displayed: 2 h 43 min 10 s
